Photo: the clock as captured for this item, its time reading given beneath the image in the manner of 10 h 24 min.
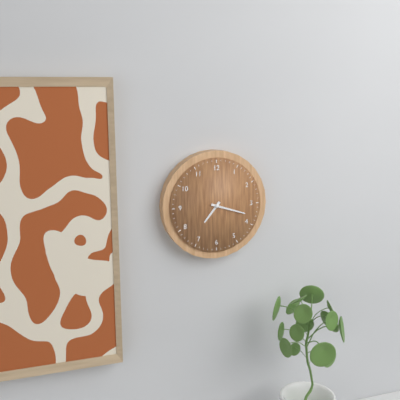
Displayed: 7 h 18 min
